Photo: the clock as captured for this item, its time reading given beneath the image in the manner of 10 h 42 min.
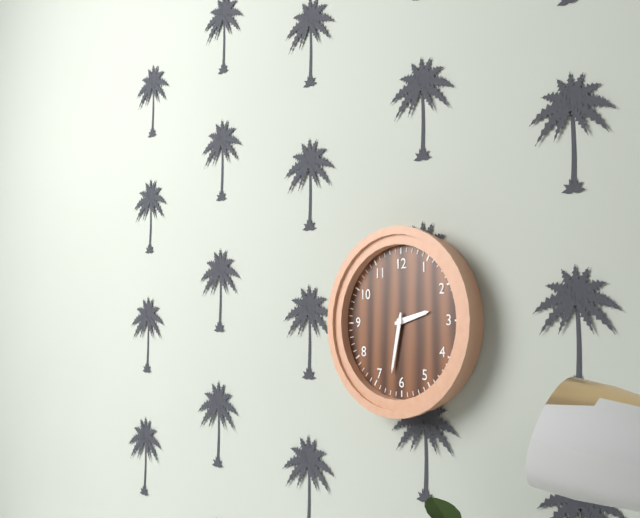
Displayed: 2 h 32 min
